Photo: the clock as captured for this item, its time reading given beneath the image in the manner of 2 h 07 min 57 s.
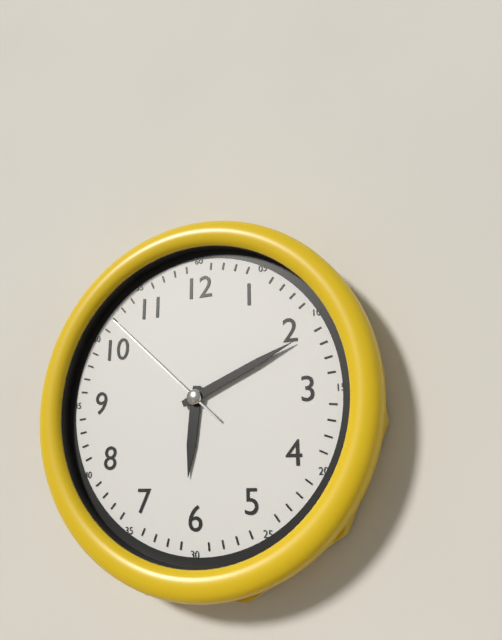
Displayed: 6 h 11 min 52 s
